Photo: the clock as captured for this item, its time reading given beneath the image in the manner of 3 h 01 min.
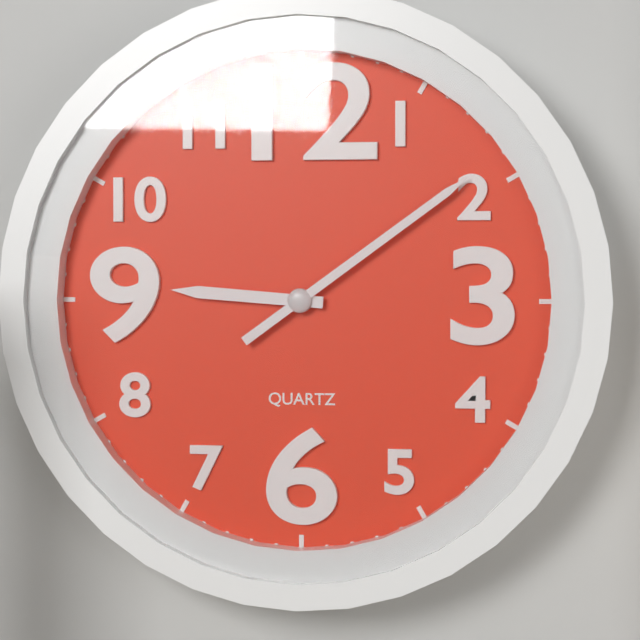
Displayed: 9 h 09 min
